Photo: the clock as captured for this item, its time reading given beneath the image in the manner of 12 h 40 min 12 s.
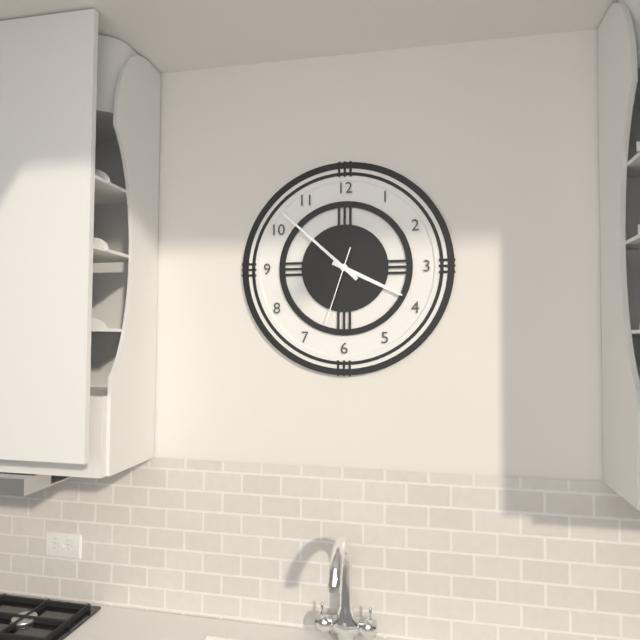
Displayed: 3 h 52 min 33 s
